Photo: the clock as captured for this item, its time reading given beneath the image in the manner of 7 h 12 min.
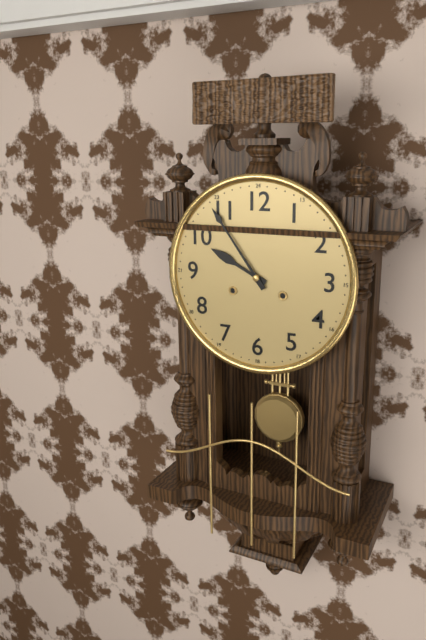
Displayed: 9 h 54 min
